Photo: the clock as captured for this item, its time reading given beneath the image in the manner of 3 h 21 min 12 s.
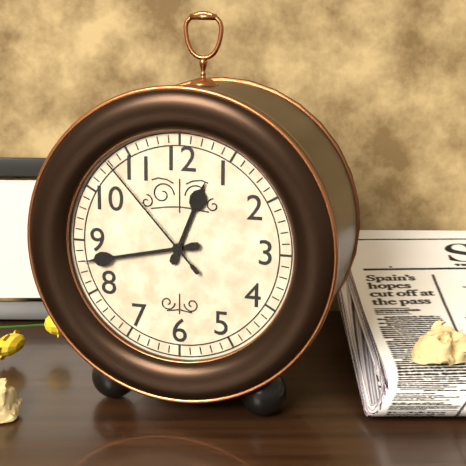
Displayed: 12 h 43 min 53 s
